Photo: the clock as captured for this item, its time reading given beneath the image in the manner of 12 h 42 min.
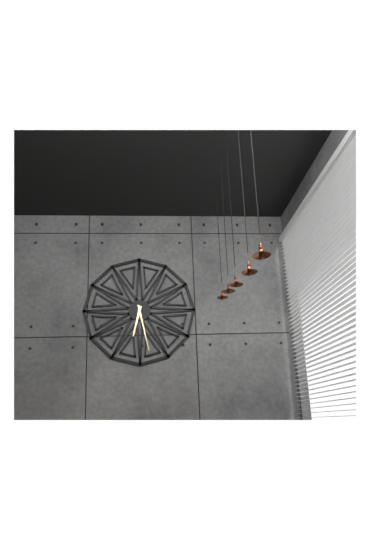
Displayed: 6 h 28 min
